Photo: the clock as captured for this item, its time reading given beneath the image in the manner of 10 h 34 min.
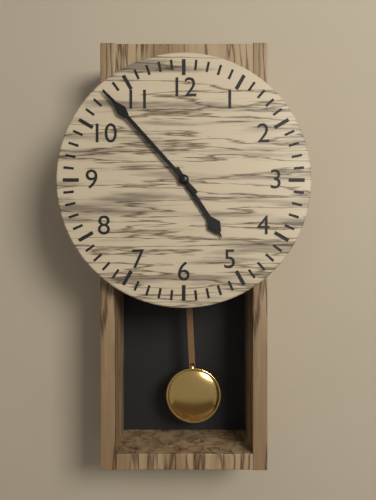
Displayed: 4 h 53 min
